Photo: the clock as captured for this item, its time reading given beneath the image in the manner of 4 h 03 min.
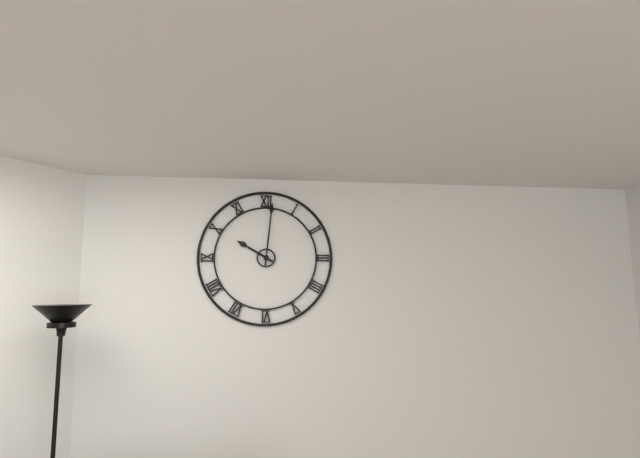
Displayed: 10 h 01 min
